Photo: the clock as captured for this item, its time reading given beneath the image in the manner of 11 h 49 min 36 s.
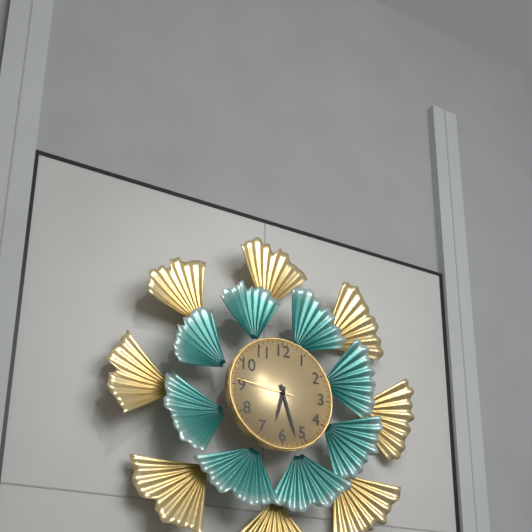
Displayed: 6 h 27 min 46 s
